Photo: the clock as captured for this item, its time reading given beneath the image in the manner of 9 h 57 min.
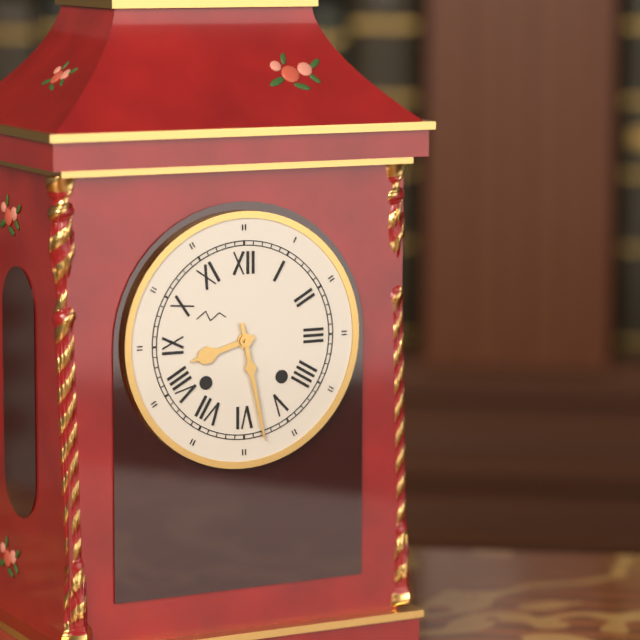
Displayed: 8 h 28 min
